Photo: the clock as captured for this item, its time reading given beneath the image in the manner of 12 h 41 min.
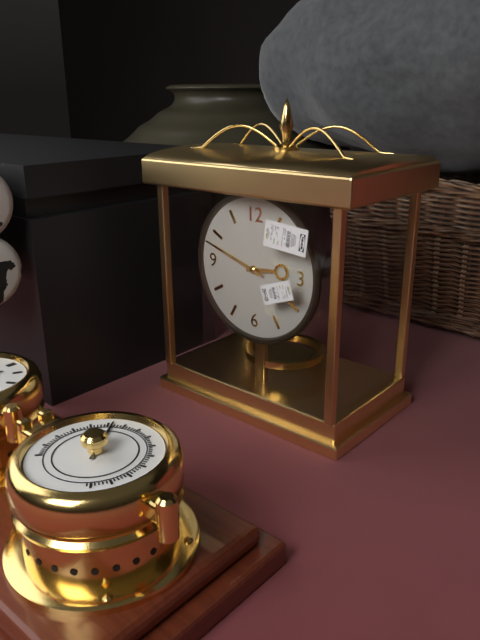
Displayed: 2 h 48 min
